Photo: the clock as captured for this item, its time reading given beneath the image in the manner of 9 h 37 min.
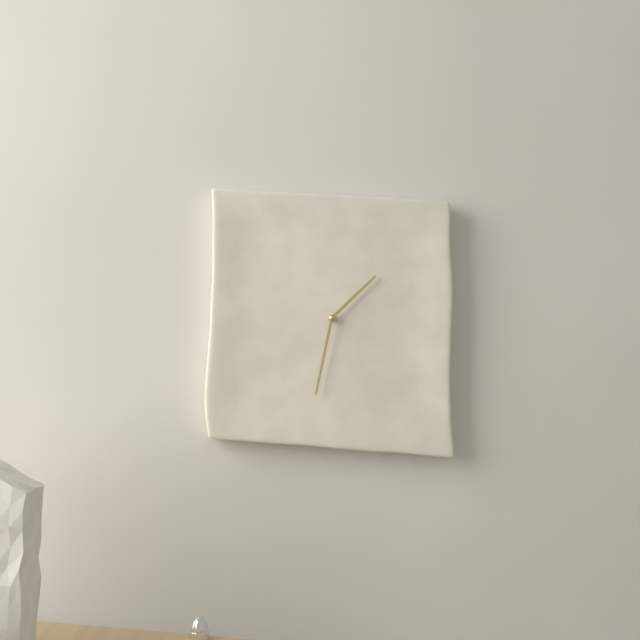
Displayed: 1 h 32 min
